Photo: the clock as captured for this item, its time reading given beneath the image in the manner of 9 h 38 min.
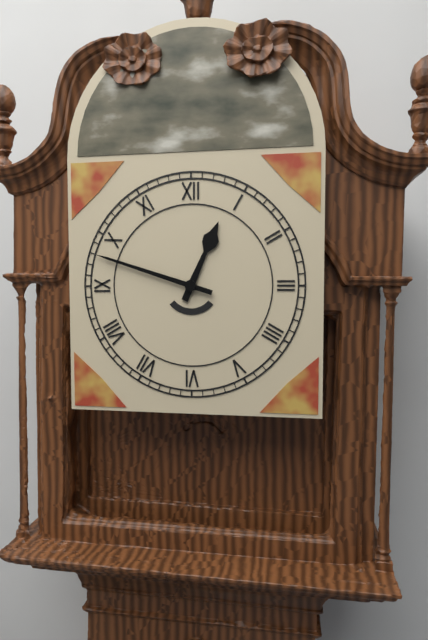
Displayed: 12 h 48 min
